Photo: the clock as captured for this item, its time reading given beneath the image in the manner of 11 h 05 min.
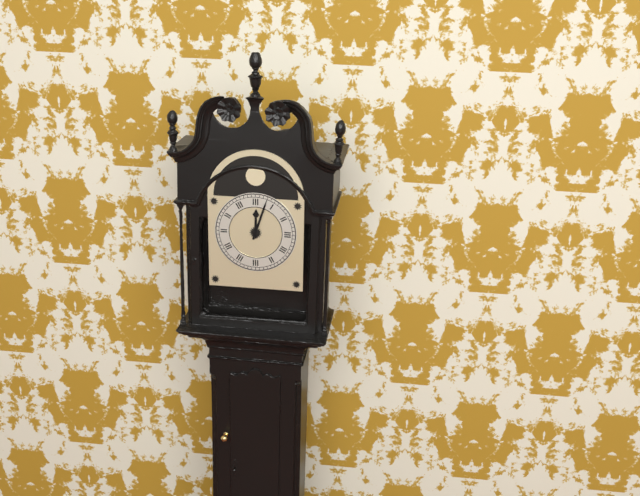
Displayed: 12 h 03 min
